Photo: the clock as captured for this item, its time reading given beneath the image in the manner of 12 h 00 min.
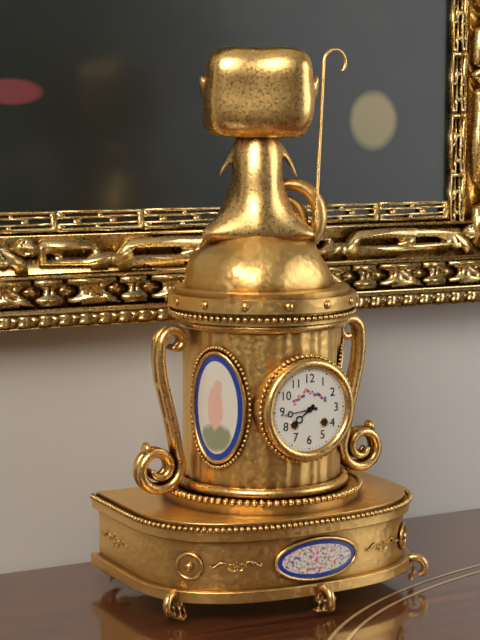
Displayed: 7 h 44 min
